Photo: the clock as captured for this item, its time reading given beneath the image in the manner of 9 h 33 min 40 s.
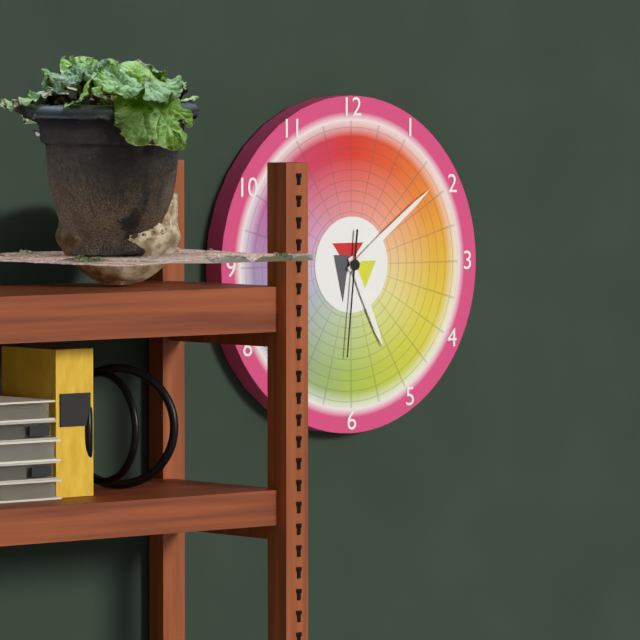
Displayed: 5 h 09 min 31 s
